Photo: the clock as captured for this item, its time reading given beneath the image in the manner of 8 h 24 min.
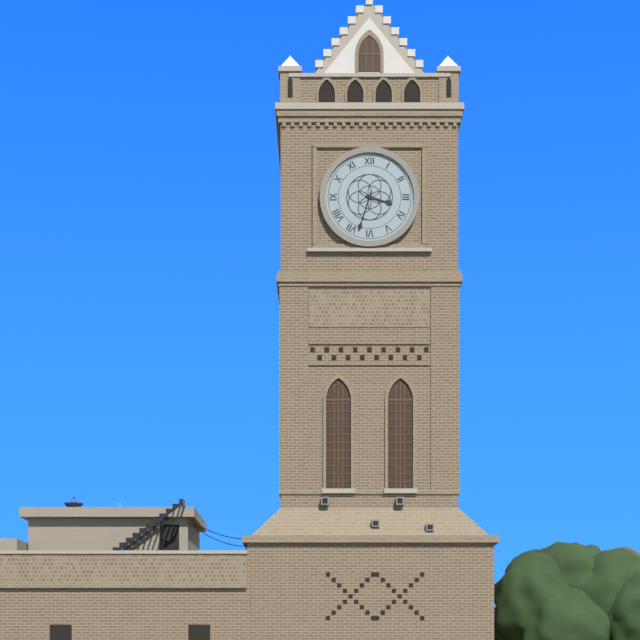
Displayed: 3 h 33 min
